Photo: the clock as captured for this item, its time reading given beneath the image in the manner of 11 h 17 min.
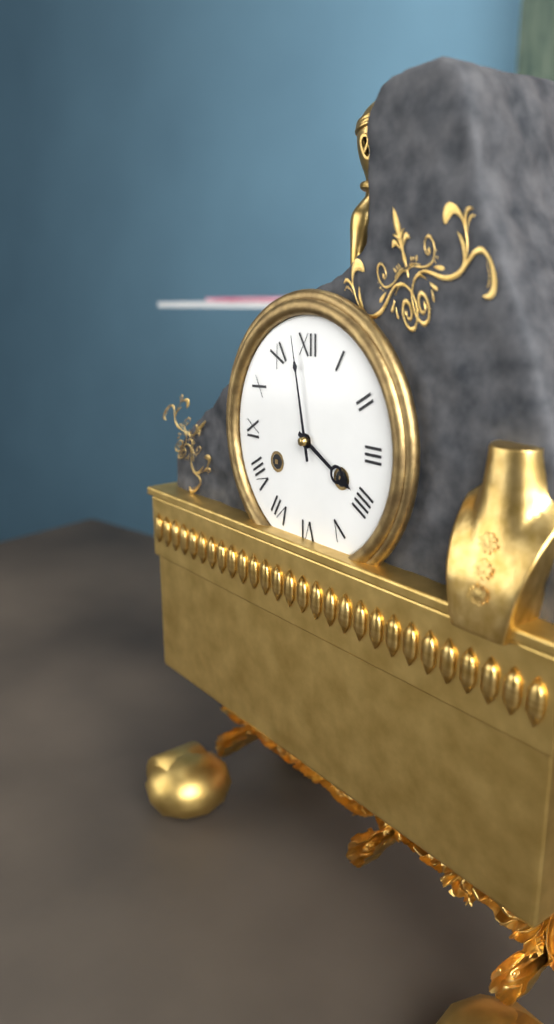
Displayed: 3 h 58 min
